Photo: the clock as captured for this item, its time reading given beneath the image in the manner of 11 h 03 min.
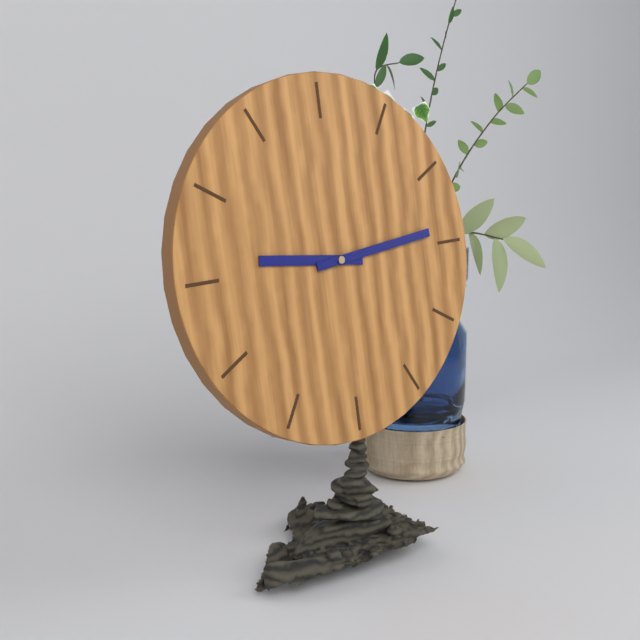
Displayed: 9 h 14 min
